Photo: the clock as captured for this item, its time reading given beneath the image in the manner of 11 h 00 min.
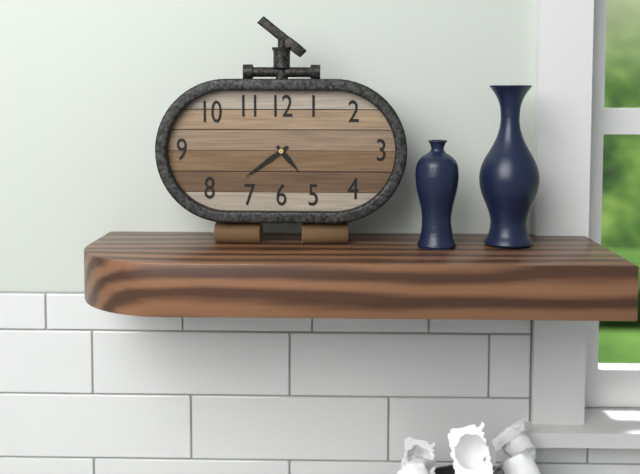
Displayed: 4 h 39 min
